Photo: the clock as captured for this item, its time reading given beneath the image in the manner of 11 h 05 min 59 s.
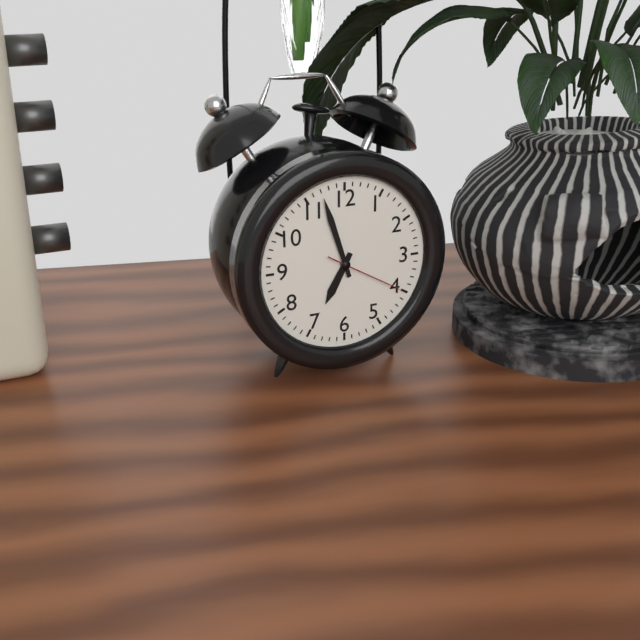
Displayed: 6 h 57 min 20 s
